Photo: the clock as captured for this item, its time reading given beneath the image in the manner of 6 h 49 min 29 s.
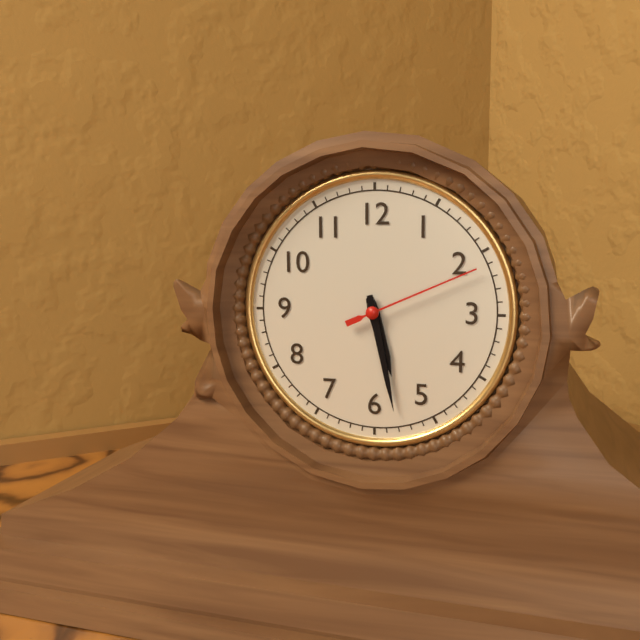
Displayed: 5 h 28 min 11 s
